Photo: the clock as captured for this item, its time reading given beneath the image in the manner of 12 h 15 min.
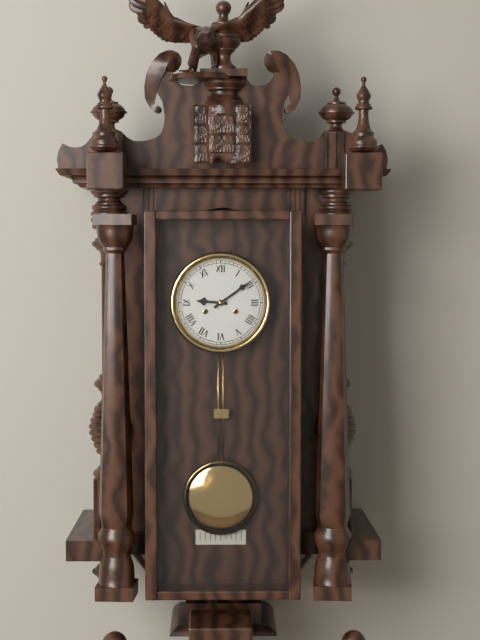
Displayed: 9 h 09 min
